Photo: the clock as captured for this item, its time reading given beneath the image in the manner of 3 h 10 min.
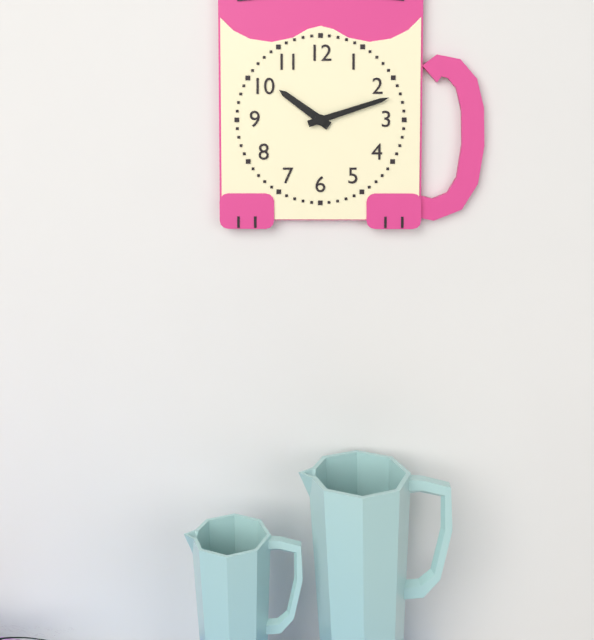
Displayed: 10 h 12 min
